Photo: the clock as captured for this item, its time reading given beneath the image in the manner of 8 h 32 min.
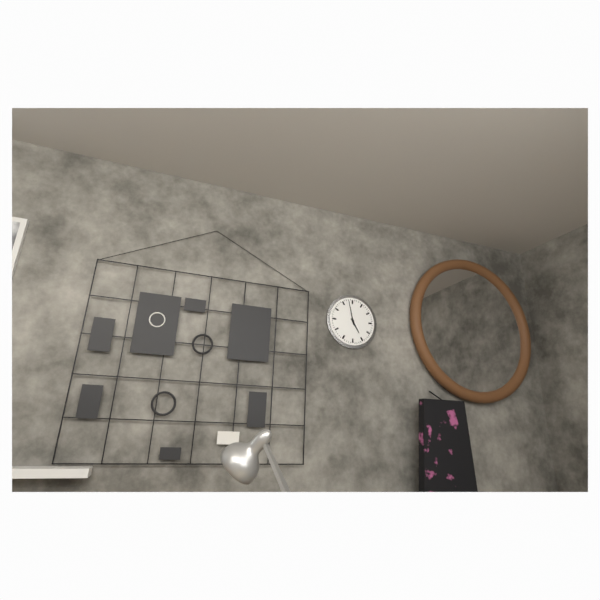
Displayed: 4 h 58 min
